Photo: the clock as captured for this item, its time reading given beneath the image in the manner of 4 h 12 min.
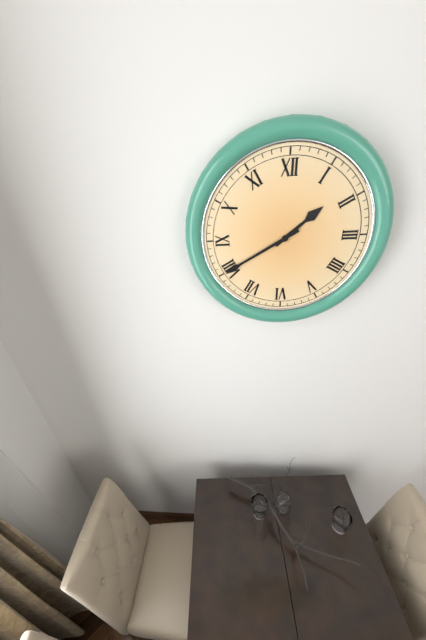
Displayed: 1 h 40 min
